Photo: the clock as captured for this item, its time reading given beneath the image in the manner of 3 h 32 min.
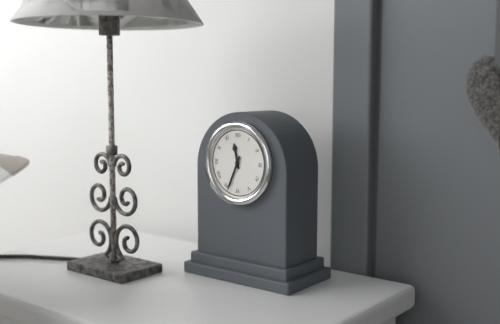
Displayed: 11 h 34 min
